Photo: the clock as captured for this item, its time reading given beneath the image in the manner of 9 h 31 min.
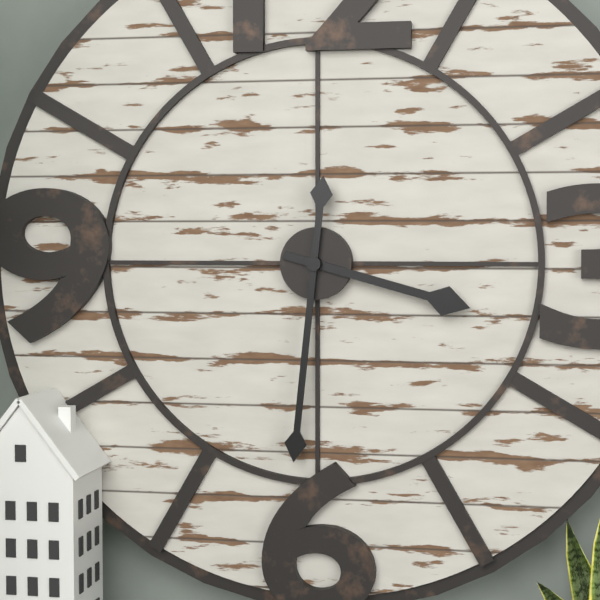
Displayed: 3 h 31 min
